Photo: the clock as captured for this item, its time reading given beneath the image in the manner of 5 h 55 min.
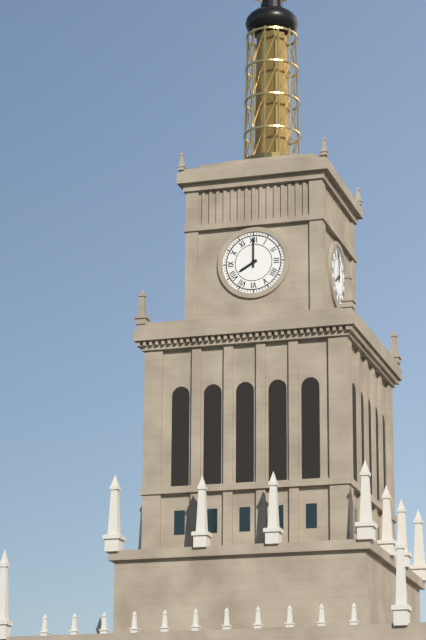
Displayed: 8 h 00 min
